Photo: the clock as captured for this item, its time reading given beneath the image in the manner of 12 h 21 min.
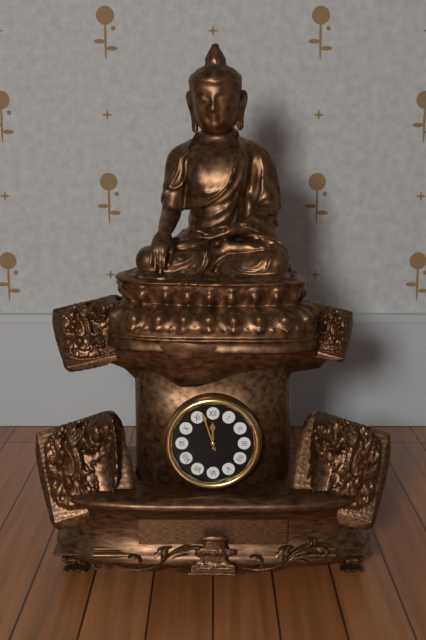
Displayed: 11 h 57 min
